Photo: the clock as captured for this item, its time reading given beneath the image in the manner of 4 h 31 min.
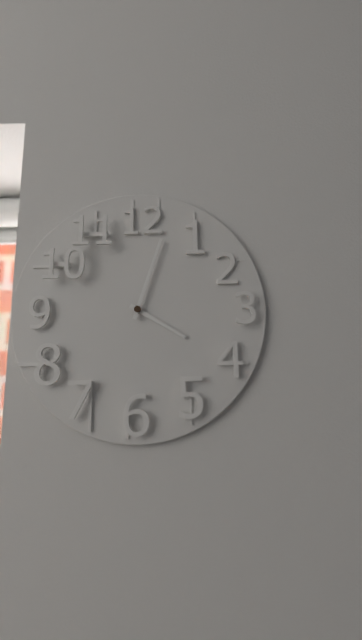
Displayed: 4 h 03 min
